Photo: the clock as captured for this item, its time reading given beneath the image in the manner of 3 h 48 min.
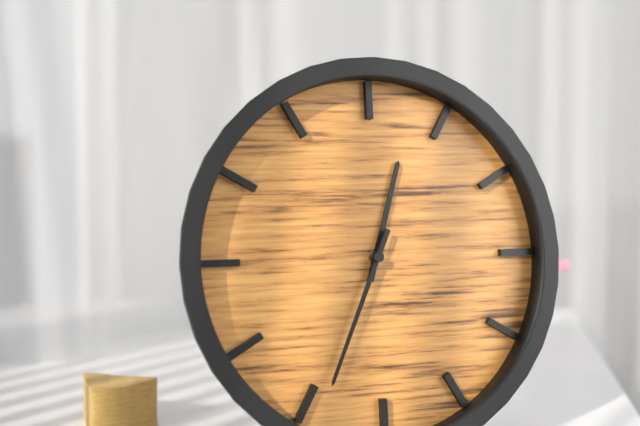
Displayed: 12 h 34 min
